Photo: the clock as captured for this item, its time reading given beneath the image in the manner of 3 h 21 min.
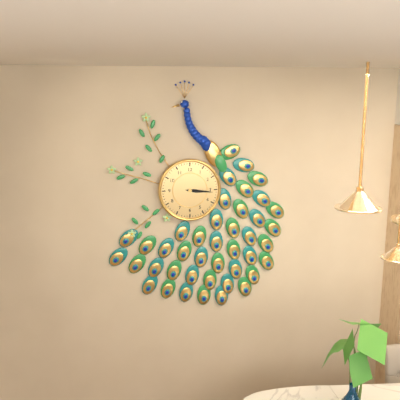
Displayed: 3 h 16 min
